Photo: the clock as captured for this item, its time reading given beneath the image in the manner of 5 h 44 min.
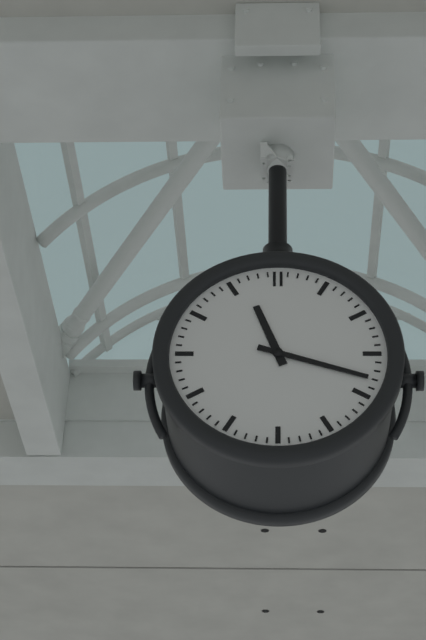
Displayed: 11 h 18 min
